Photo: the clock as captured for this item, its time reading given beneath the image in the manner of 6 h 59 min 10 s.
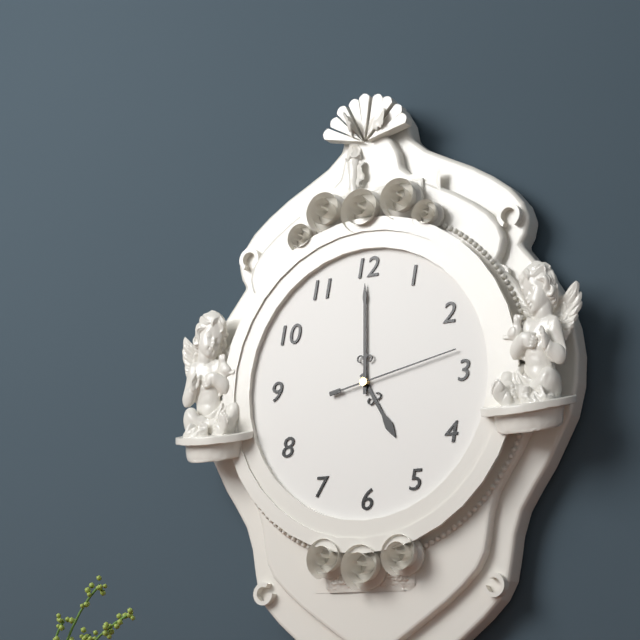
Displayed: 5 h 00 min 13 s
